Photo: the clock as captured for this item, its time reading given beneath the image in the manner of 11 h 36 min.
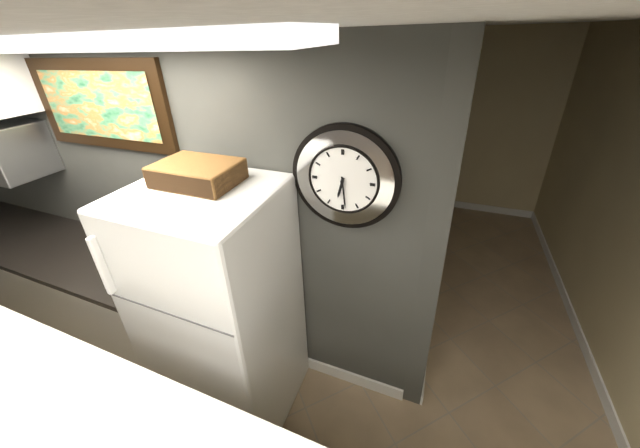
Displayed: 6 h 29 min
